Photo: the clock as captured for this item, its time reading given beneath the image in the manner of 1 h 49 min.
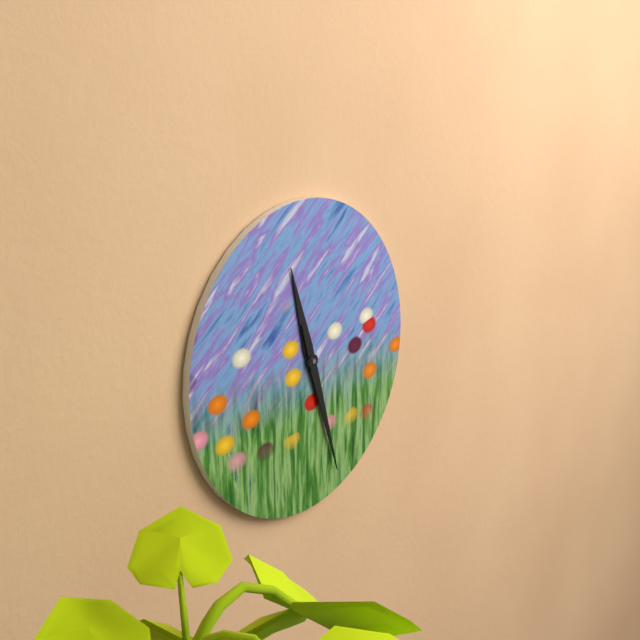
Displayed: 11 h 27 min
